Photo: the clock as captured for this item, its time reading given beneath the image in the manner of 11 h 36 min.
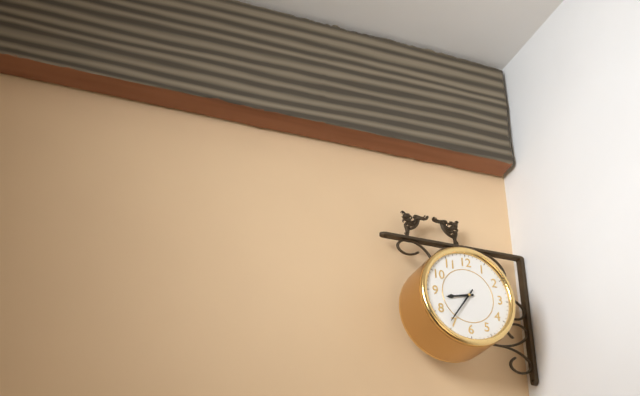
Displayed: 8 h 36 min
